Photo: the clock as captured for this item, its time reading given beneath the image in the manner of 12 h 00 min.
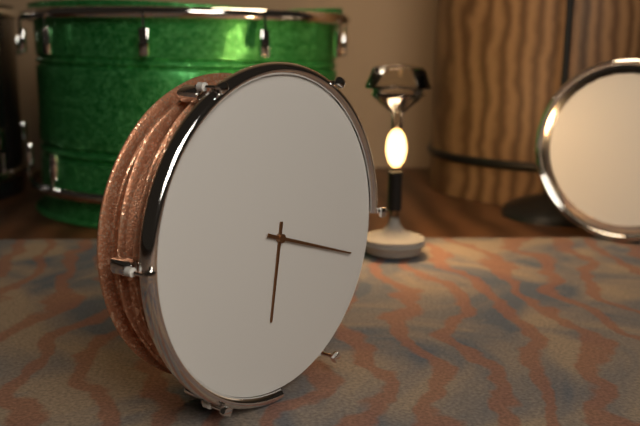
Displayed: 6 h 18 min
